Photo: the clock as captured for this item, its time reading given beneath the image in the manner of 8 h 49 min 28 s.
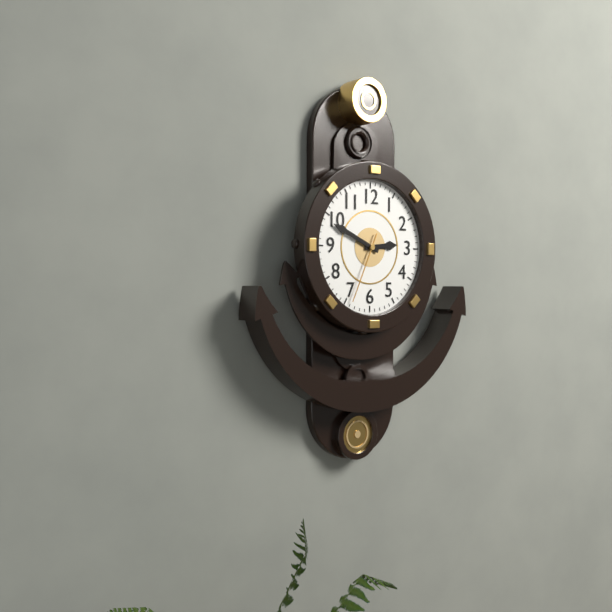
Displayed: 2 h 49 min 34 s
